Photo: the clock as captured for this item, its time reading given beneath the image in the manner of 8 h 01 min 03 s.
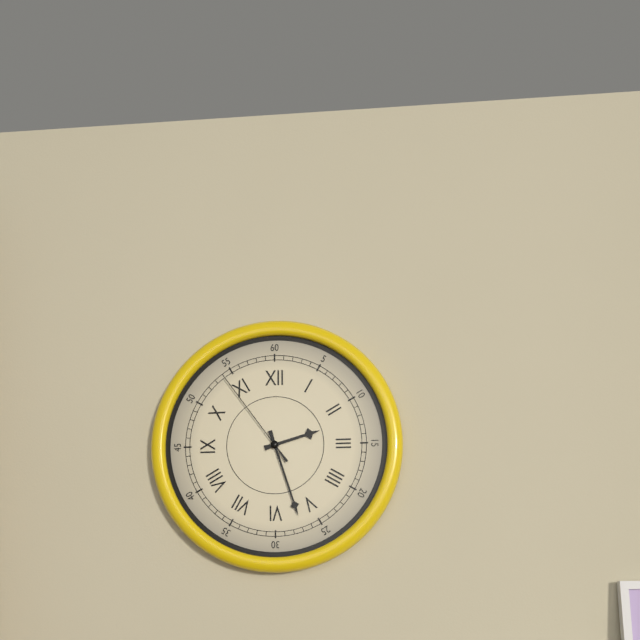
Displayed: 2 h 27 min 54 s
